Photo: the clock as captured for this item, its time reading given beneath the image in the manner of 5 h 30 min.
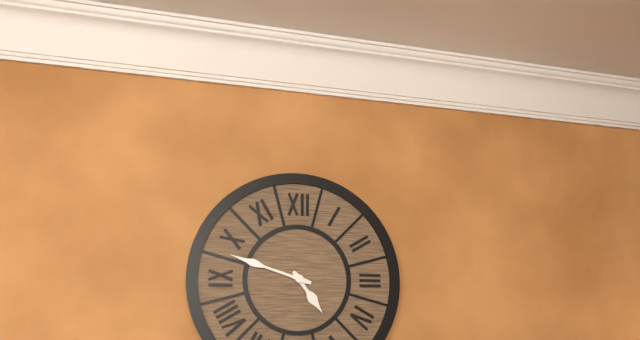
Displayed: 4 h 48 min
